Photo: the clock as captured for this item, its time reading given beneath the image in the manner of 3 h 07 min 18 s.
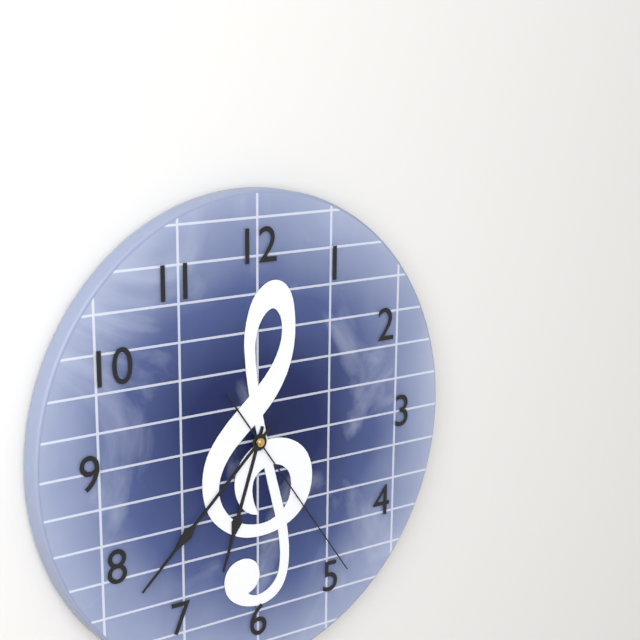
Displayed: 6 h 38 min 24 s
